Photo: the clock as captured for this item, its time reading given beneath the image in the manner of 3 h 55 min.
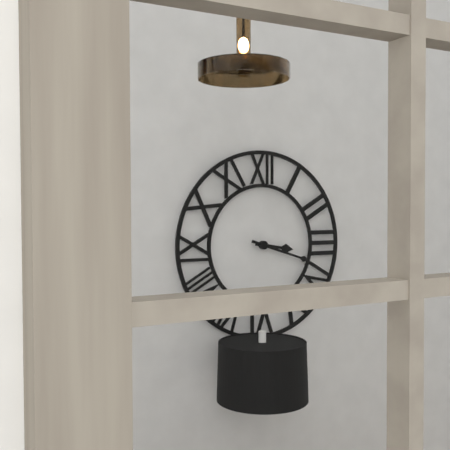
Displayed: 3 h 18 min
